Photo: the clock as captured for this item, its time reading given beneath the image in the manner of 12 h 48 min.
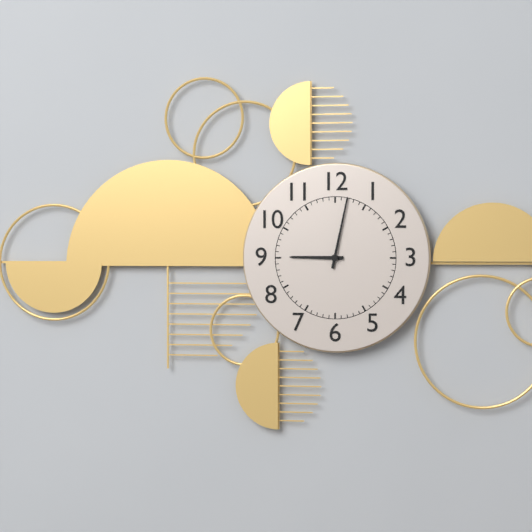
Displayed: 9 h 02 min
